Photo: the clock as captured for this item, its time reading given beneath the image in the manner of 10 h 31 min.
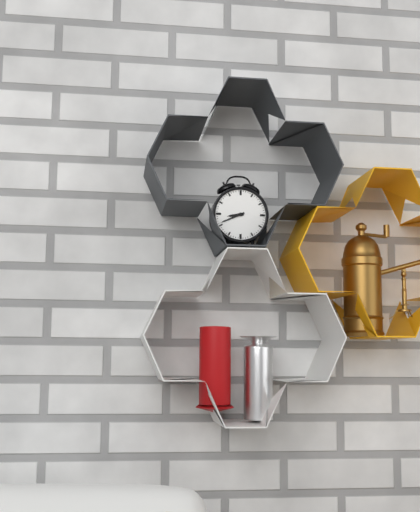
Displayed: 8 h 41 min
